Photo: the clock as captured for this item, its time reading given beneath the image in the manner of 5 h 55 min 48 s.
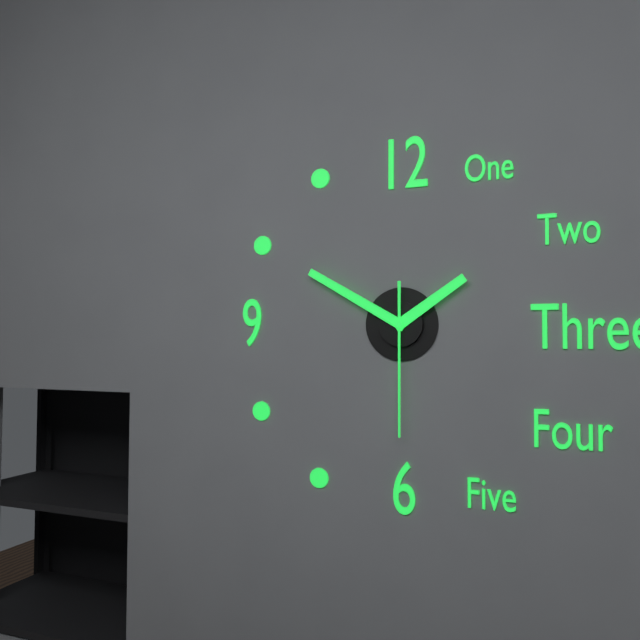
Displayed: 1 h 50 min 30 s
